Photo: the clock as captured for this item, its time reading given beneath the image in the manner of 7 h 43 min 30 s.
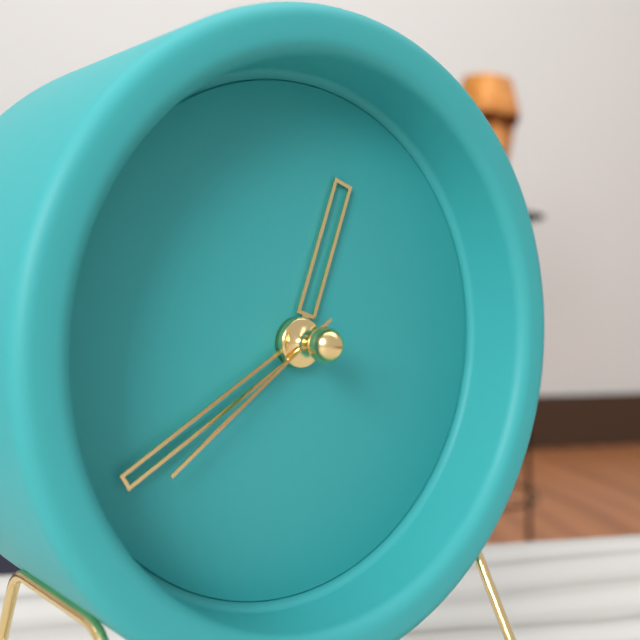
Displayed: 12 h 40 min 39 s
